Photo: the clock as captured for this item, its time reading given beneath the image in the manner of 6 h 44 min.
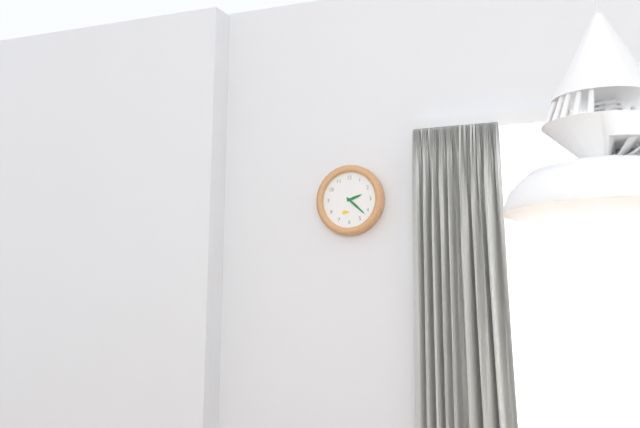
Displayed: 2 h 22 min
